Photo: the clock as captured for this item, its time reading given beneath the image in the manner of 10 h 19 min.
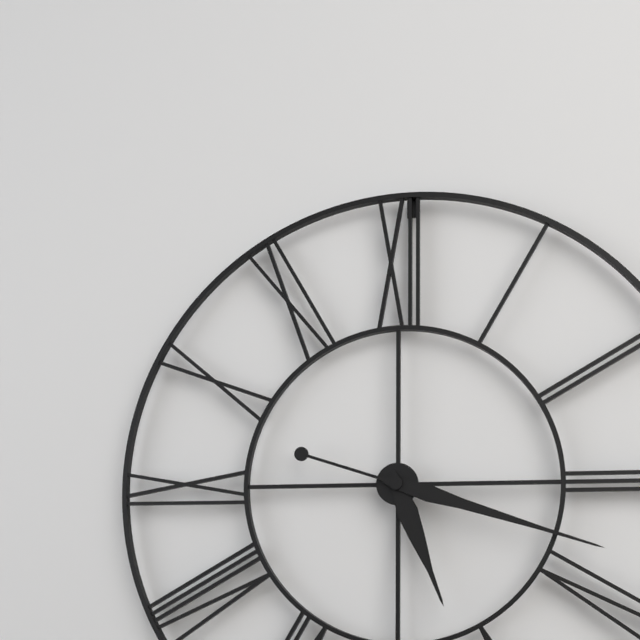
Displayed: 5 h 18 min
